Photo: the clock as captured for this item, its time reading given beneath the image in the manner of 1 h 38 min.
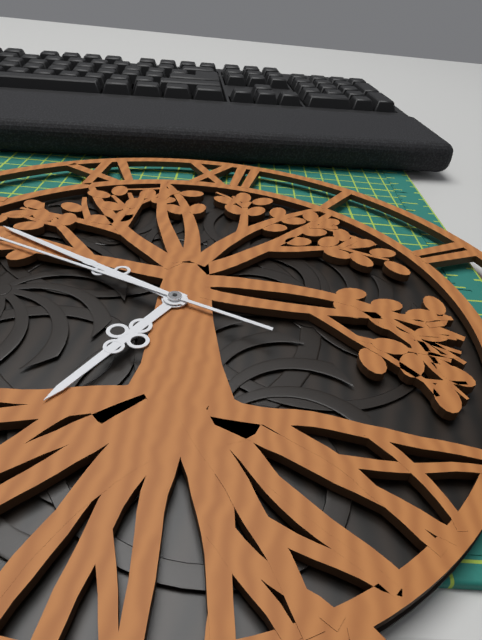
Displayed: 6 h 49 min
